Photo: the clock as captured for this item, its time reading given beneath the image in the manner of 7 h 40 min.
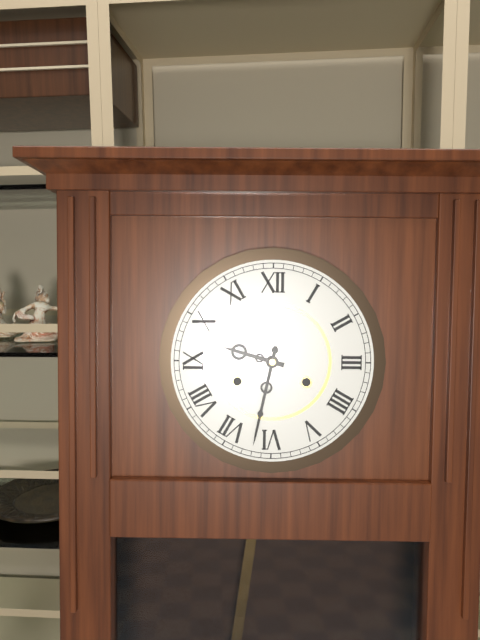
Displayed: 9 h 32 min
